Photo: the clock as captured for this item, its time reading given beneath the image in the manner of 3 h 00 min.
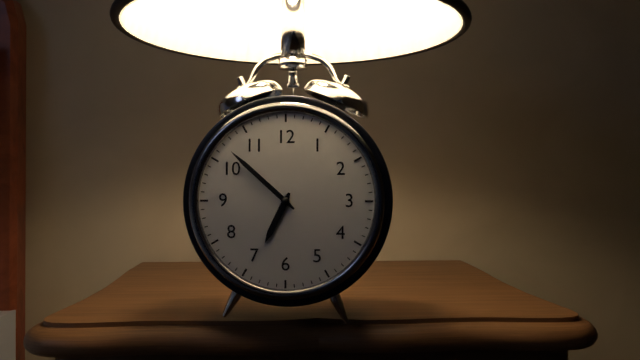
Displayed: 6 h 52 min
